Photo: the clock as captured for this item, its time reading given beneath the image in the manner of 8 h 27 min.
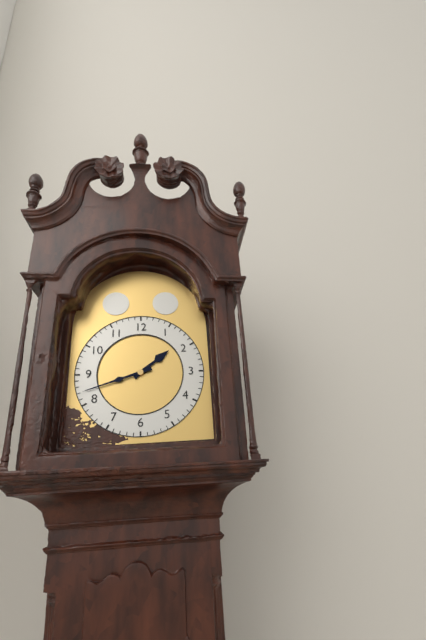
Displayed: 1 h 42 min
